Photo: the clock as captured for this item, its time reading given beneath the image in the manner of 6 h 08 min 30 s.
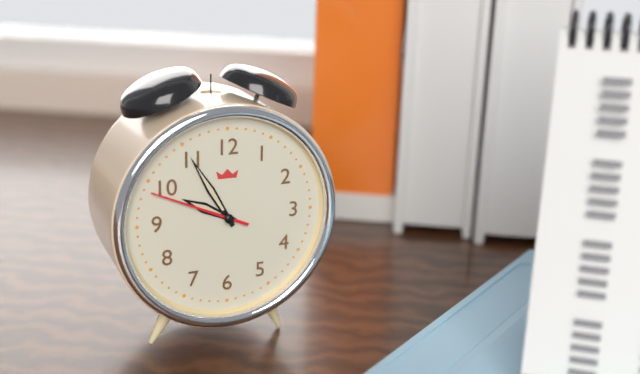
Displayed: 9 h 55 min 49 s
